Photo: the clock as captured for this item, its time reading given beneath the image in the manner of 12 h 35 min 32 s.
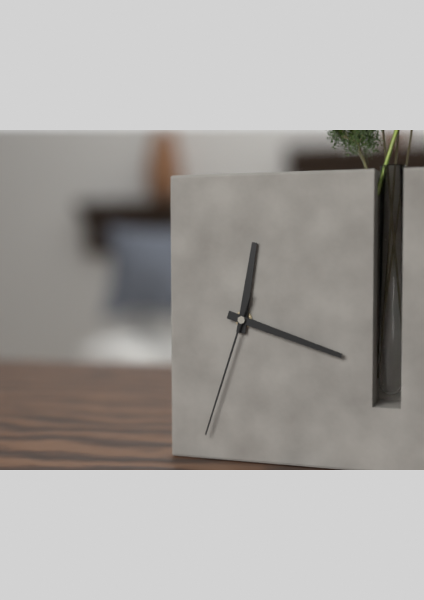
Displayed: 12 h 18 min 33 s
